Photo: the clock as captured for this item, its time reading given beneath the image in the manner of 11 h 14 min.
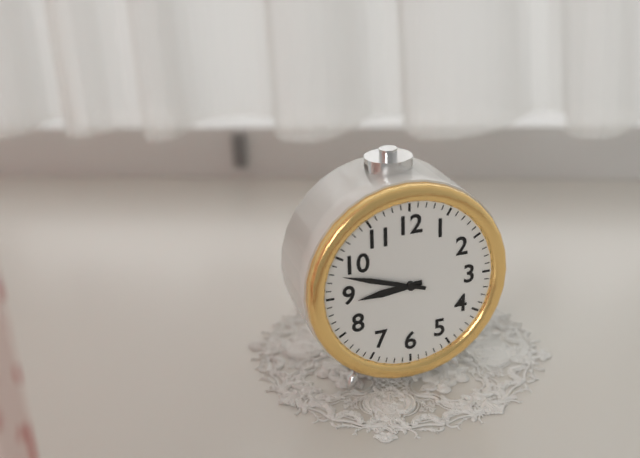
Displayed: 8 h 48 min
